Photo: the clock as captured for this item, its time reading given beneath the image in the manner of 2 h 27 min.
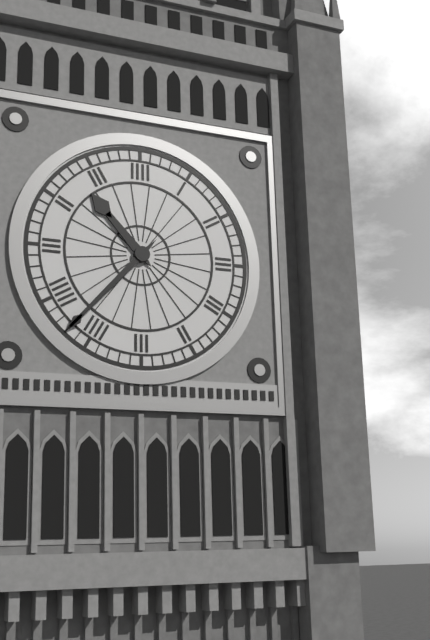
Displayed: 10 h 37 min
